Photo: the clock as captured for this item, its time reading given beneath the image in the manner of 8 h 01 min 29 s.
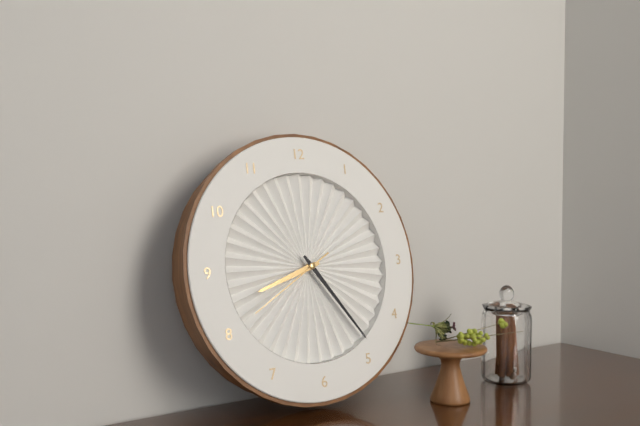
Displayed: 8 h 24 min 40 s
